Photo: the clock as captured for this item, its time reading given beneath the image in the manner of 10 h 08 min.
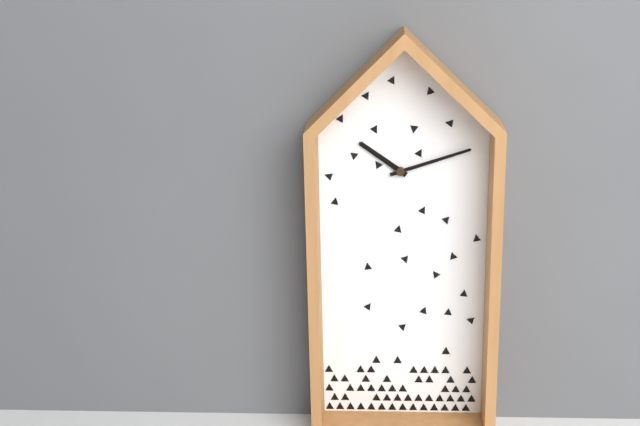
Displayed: 10 h 12 min
